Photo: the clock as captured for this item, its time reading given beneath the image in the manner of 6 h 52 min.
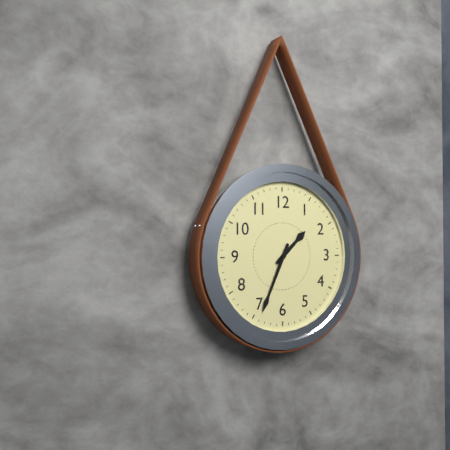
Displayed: 1 h 34 min
